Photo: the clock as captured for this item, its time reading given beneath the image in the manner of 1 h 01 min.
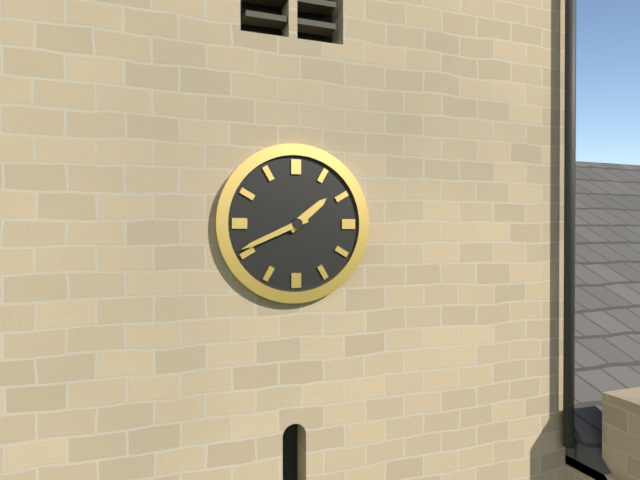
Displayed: 1 h 41 min
